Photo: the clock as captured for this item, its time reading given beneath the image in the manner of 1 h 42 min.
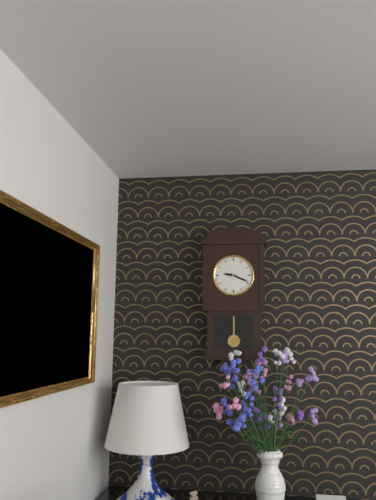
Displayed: 9 h 19 min
